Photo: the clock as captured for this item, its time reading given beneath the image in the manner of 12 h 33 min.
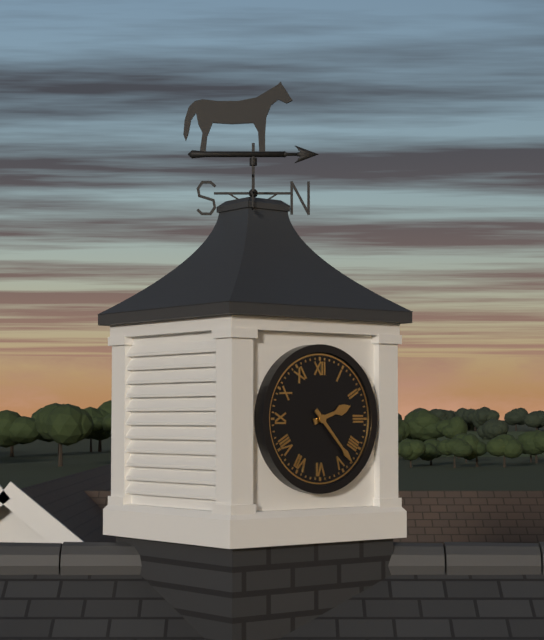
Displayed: 2 h 23 min
